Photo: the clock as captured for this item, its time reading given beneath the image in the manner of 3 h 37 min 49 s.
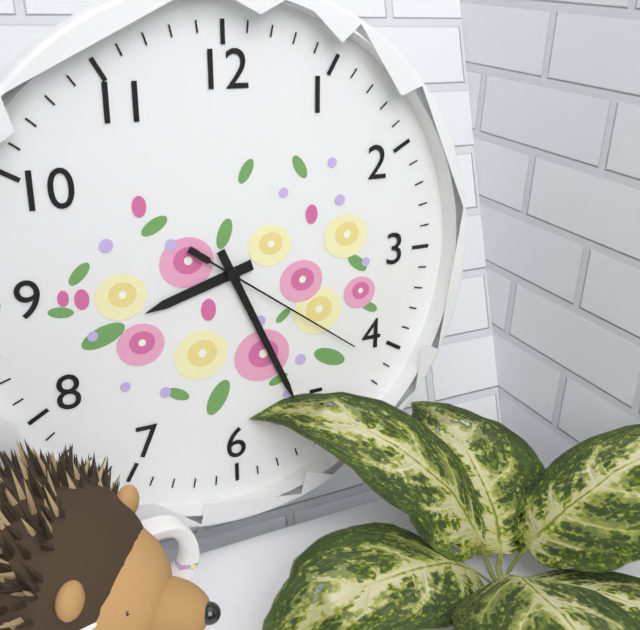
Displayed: 8 h 26 min 21 s
